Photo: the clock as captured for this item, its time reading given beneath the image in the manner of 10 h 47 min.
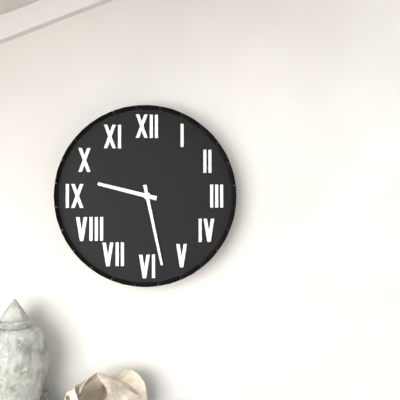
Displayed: 9 h 28 min
